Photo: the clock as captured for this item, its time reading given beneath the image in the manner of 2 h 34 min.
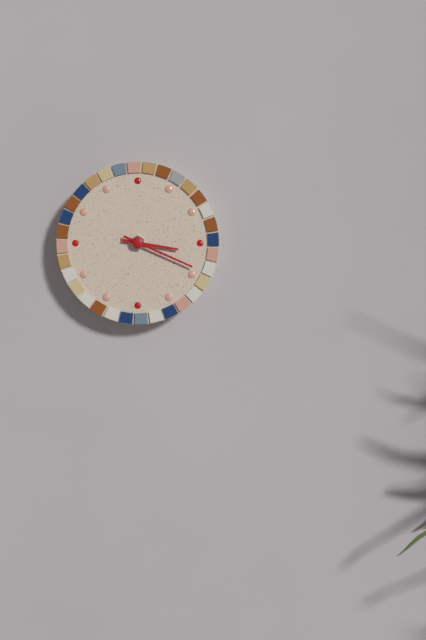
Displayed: 3 h 19 min
